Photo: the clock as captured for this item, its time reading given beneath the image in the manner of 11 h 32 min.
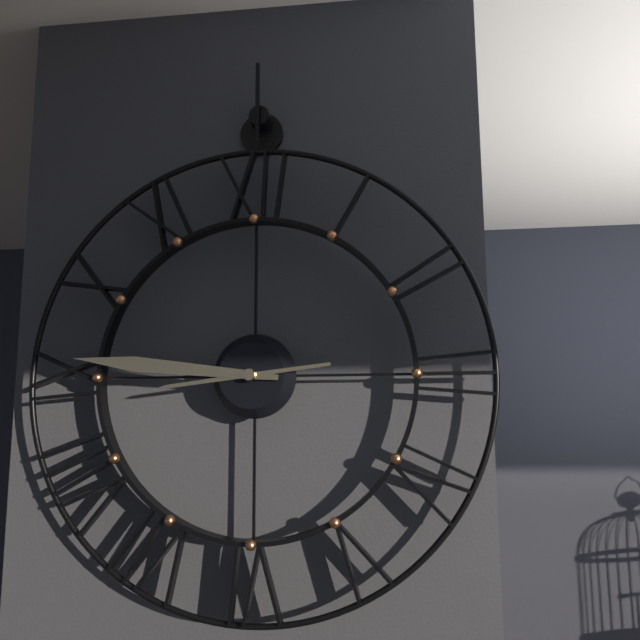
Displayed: 8 h 46 min
